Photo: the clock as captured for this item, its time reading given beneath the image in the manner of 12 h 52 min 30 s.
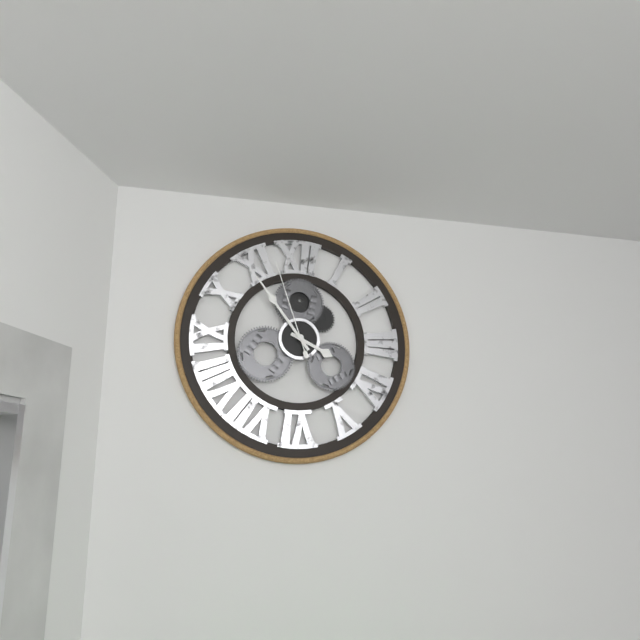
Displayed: 3 h 54 min 57 s
